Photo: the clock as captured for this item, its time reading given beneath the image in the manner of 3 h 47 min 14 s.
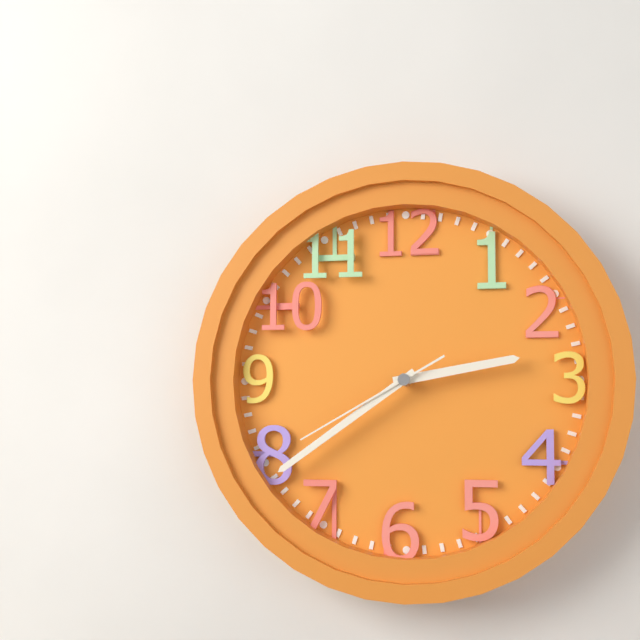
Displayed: 2 h 39 min 40 s
